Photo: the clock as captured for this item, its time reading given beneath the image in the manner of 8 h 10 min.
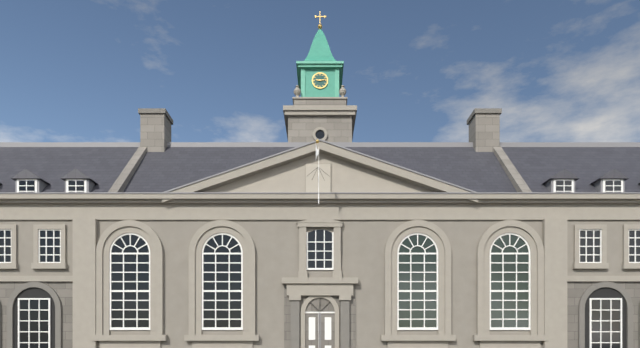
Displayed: 9 h 14 min
